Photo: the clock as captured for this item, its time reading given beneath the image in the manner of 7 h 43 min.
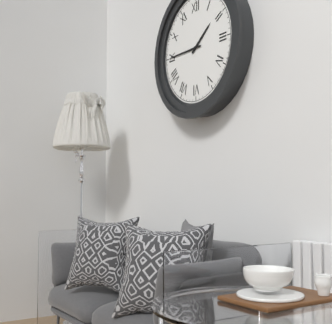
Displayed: 1 h 45 min
